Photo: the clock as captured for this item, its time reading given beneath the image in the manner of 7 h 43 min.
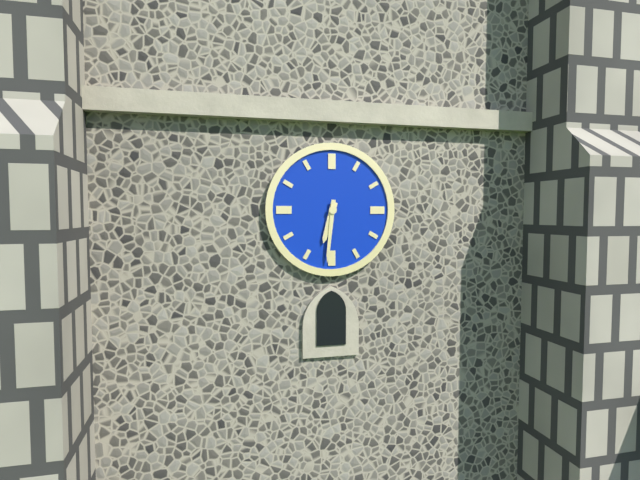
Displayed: 6 h 31 min
